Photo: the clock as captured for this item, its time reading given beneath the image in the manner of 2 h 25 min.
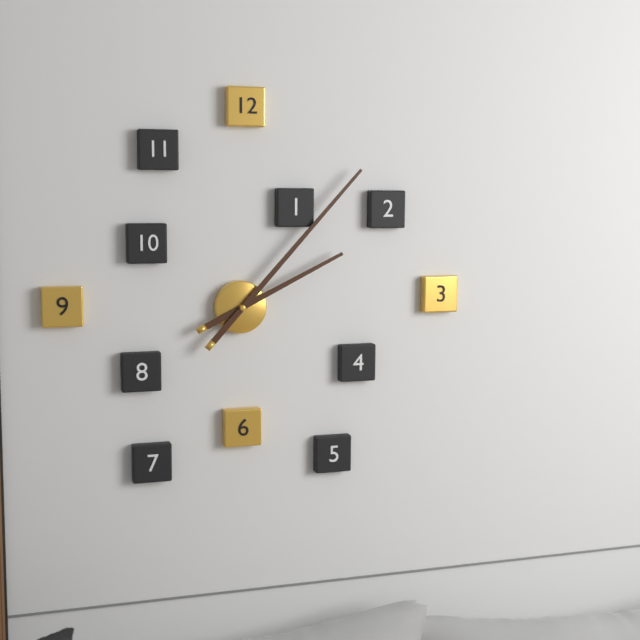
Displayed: 2 h 07 min
